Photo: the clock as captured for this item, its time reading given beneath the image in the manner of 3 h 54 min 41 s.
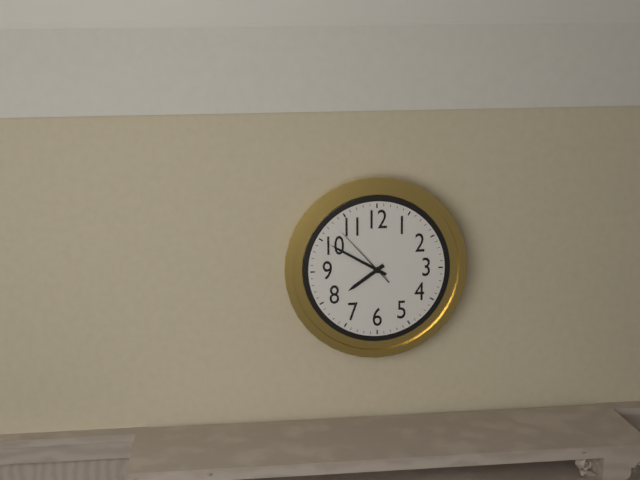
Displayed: 7 h 50 min 53 s
